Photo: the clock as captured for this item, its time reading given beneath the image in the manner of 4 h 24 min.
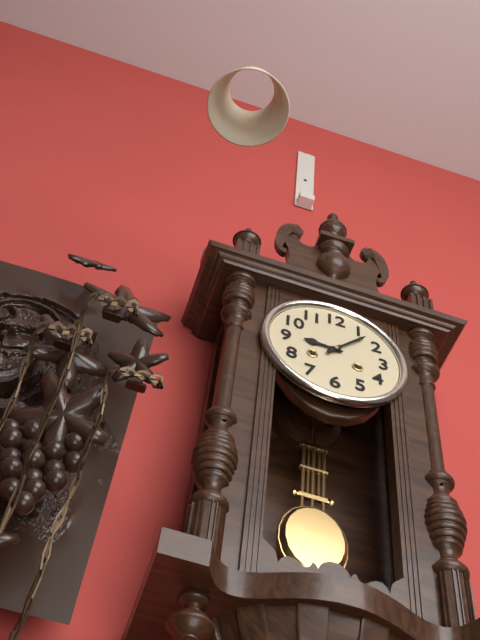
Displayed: 9 h 07 min
